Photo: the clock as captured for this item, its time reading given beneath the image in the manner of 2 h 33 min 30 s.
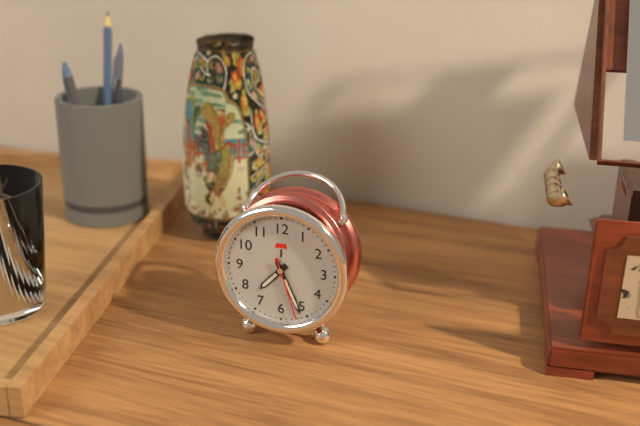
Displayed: 7 h 26 min 27 s
